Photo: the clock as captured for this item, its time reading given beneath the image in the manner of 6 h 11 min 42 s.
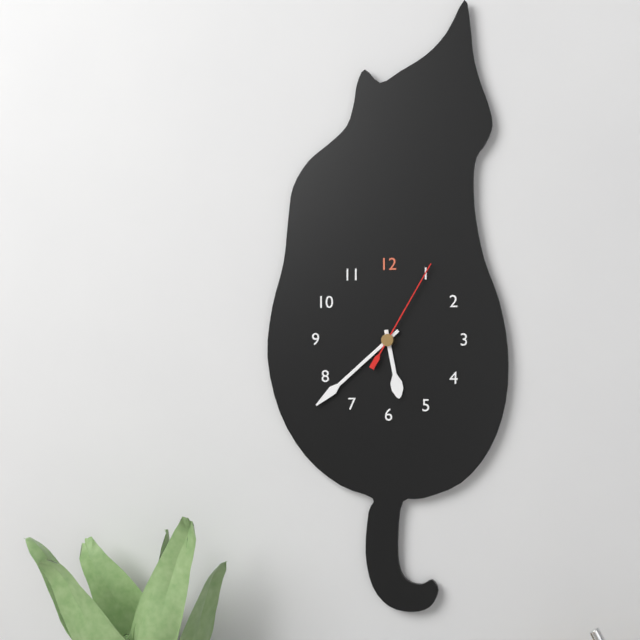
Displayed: 5 h 38 min 05 s
